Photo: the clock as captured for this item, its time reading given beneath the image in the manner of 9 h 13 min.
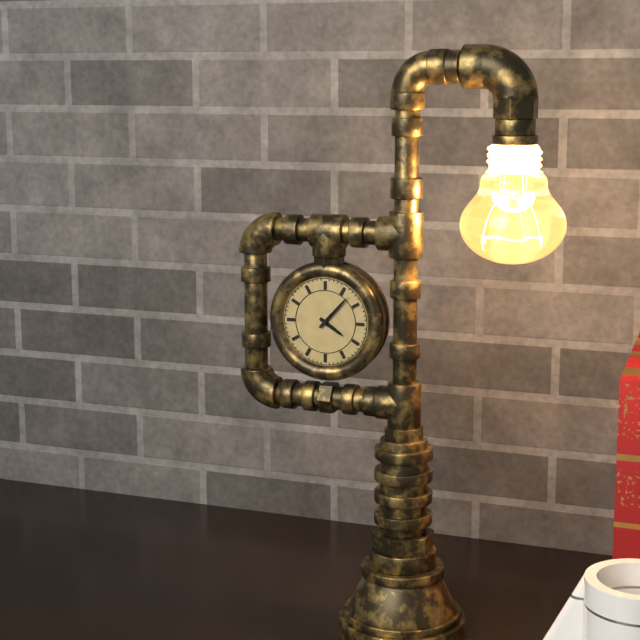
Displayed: 4 h 07 min
